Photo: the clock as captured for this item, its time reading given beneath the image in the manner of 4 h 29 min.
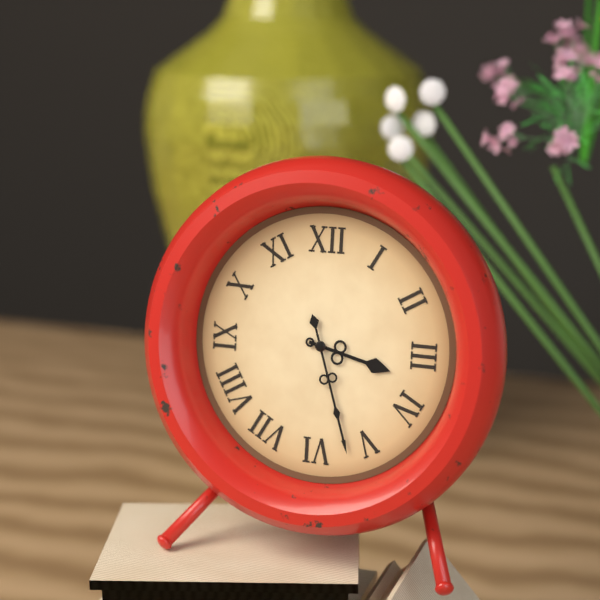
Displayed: 3 h 27 min
